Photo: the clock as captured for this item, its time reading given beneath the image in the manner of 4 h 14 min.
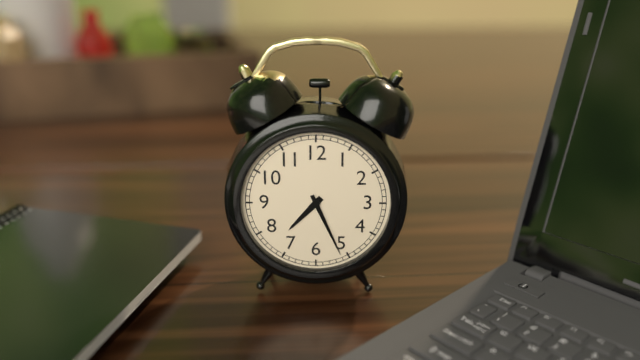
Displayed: 7 h 26 min
